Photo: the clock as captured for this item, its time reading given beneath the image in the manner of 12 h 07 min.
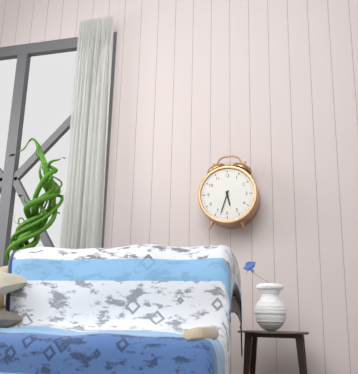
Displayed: 5 h 33 min
